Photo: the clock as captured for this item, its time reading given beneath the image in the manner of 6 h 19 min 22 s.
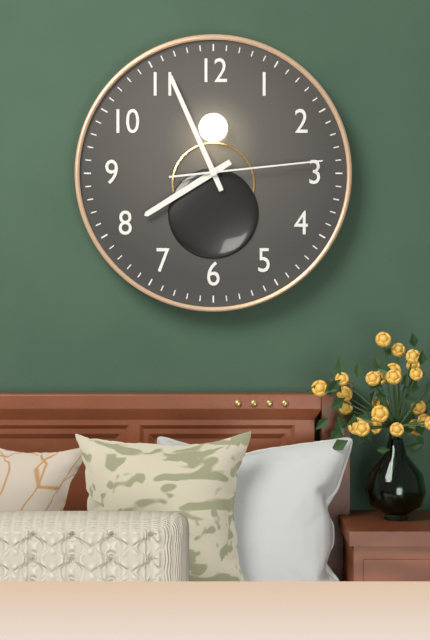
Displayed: 7 h 56 min 14 s
